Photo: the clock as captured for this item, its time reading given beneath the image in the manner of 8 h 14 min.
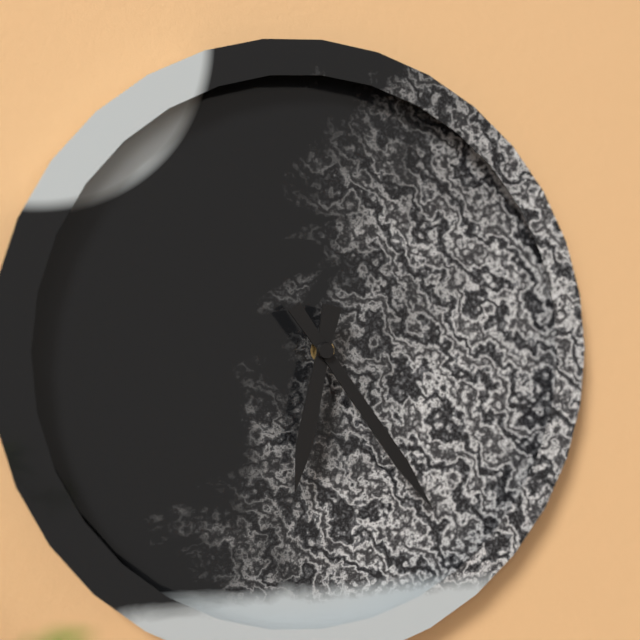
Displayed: 6 h 24 min
